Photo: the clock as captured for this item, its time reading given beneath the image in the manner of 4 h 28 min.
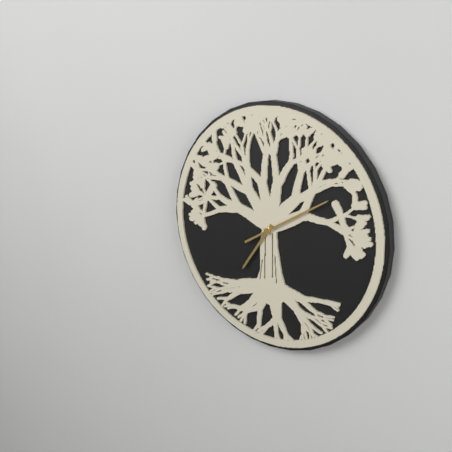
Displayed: 7 h 10 min
